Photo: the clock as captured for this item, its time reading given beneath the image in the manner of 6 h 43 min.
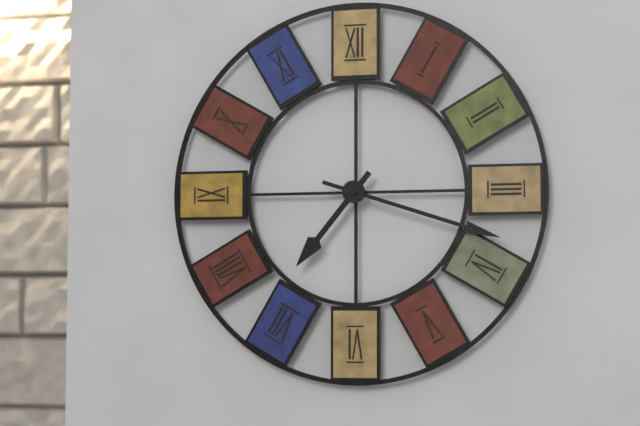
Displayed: 7 h 18 min
